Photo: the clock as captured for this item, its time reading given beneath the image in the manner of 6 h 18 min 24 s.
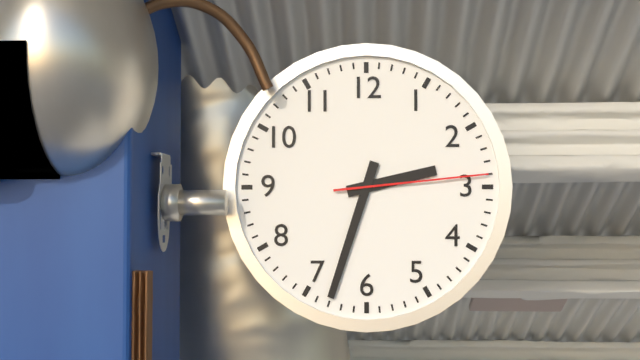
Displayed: 2 h 33 min 14 s
